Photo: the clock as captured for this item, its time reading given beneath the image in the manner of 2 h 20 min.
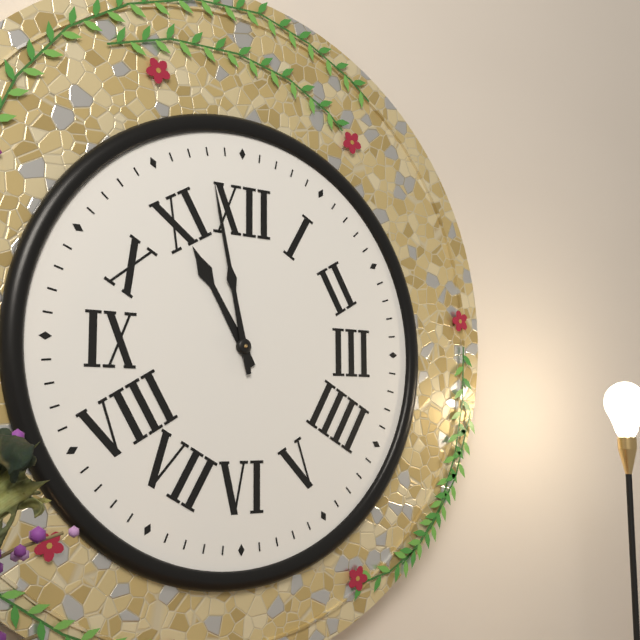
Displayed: 10 h 58 min
